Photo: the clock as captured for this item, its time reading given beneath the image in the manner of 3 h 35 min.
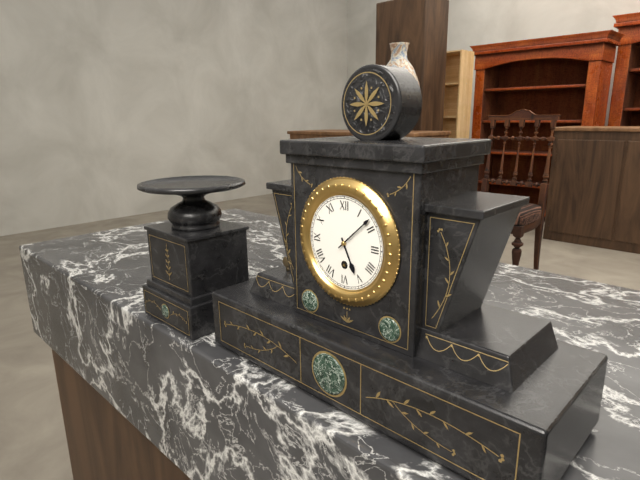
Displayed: 5 h 08 min
